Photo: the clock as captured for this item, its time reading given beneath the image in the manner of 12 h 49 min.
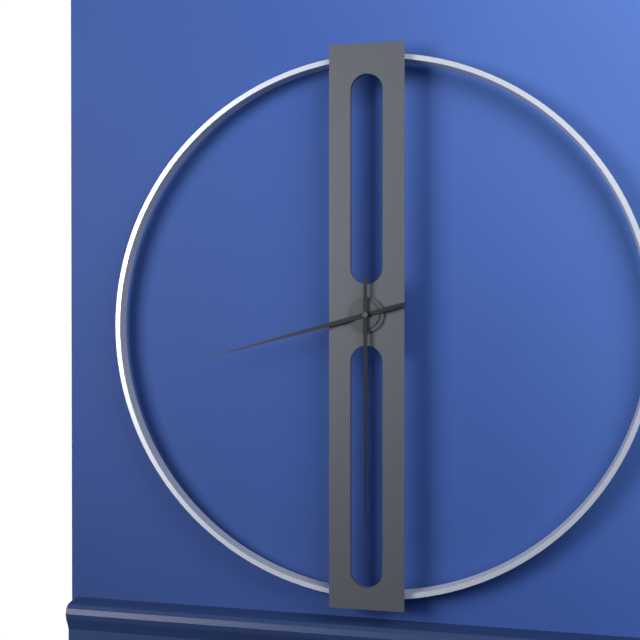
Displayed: 8 h 30 min
